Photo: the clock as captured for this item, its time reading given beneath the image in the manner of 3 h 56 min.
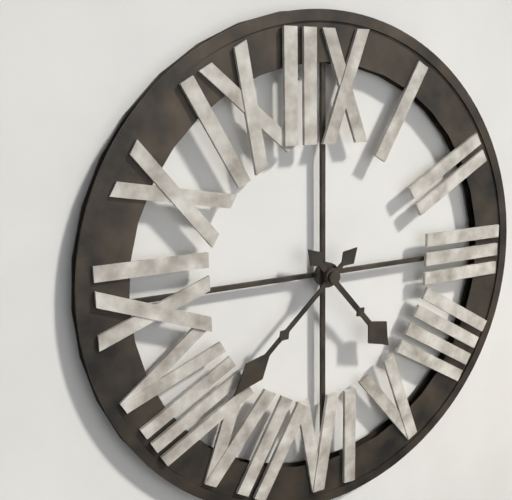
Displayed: 4 h 38 min
